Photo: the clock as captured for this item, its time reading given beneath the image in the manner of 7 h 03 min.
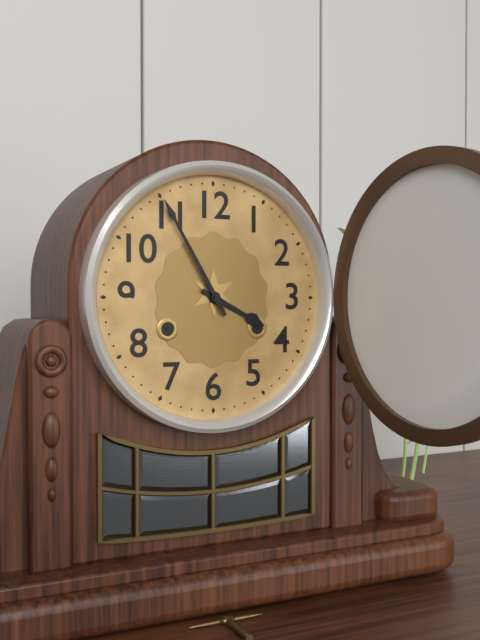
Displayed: 3 h 55 min
